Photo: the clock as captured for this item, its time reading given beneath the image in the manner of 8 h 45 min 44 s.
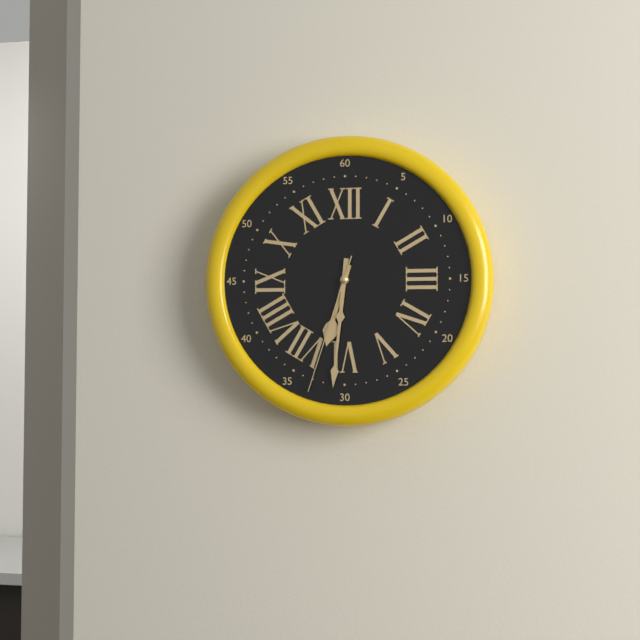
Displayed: 6 h 31 min 33 s
